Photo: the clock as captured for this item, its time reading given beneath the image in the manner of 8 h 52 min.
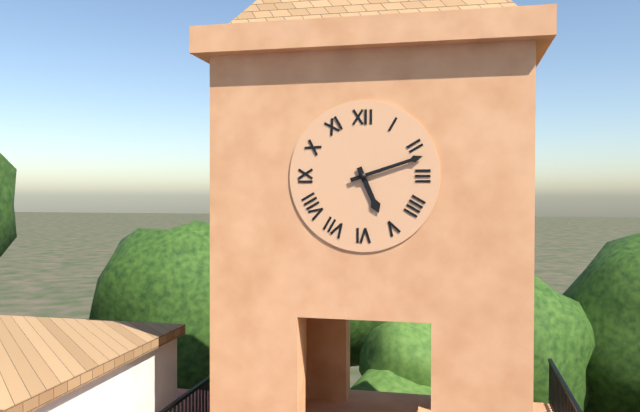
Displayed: 5 h 12 min
